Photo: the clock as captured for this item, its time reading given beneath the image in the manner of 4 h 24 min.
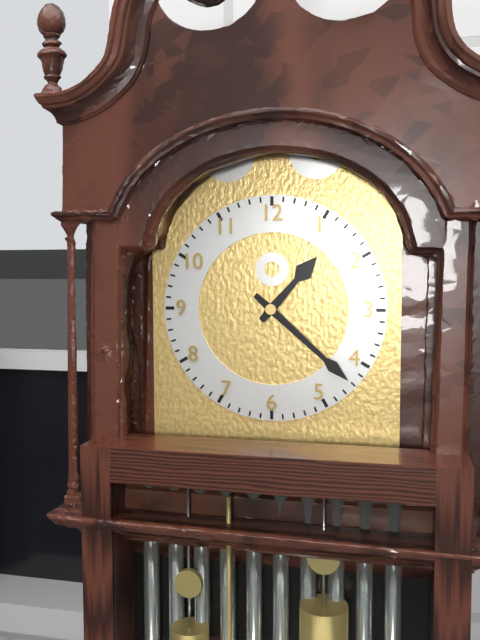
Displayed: 1 h 22 min
